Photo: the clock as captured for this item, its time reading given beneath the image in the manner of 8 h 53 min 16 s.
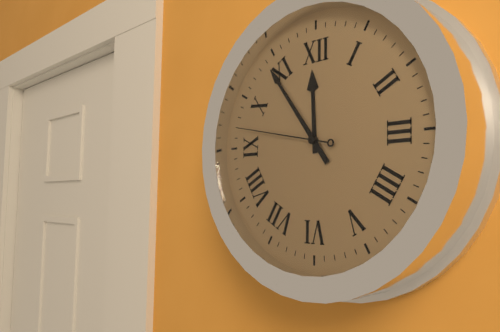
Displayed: 11 h 54 min 47 s
